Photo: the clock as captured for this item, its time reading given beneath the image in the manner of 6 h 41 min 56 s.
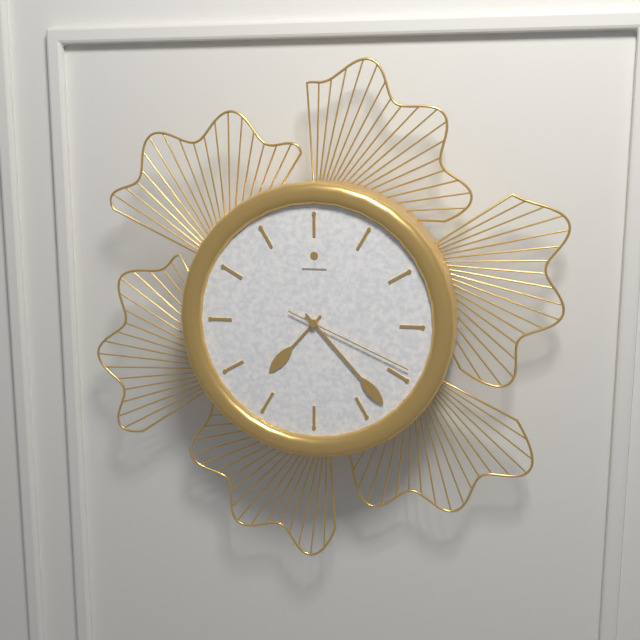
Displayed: 7 h 23 min 19 s
